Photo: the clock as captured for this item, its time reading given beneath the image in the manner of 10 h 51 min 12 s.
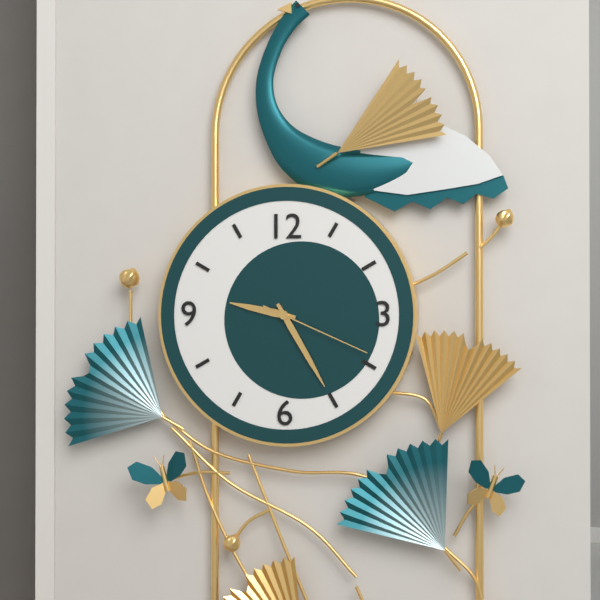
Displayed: 9 h 25 min 19 s
